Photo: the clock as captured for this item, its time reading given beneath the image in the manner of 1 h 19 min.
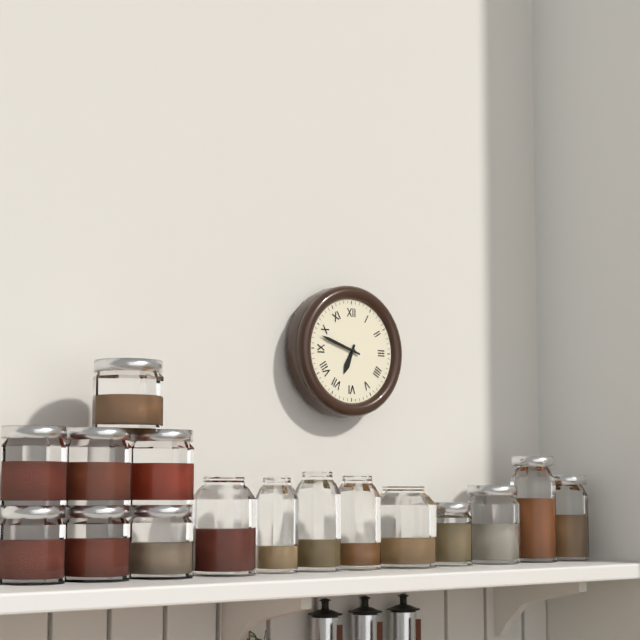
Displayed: 6 h 48 min
